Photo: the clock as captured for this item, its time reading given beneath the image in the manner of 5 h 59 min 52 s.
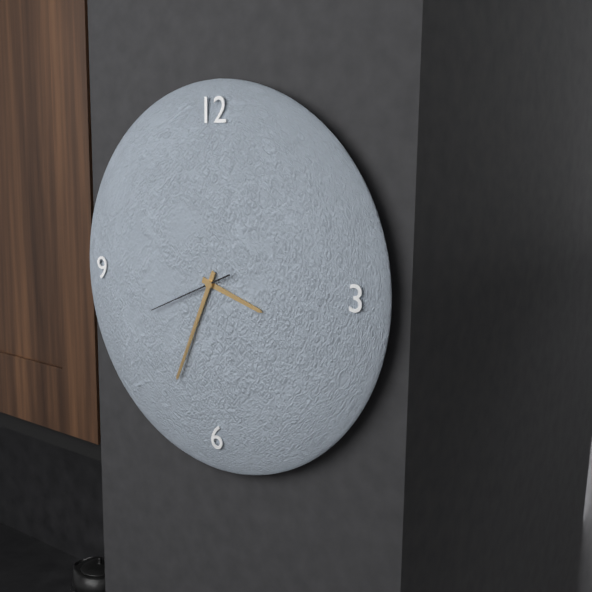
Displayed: 3 h 34 min 41 s
